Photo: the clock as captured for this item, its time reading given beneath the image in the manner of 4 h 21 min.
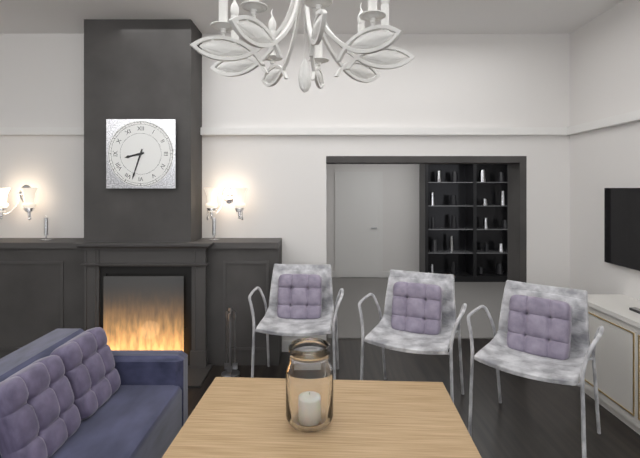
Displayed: 8 h 33 min
